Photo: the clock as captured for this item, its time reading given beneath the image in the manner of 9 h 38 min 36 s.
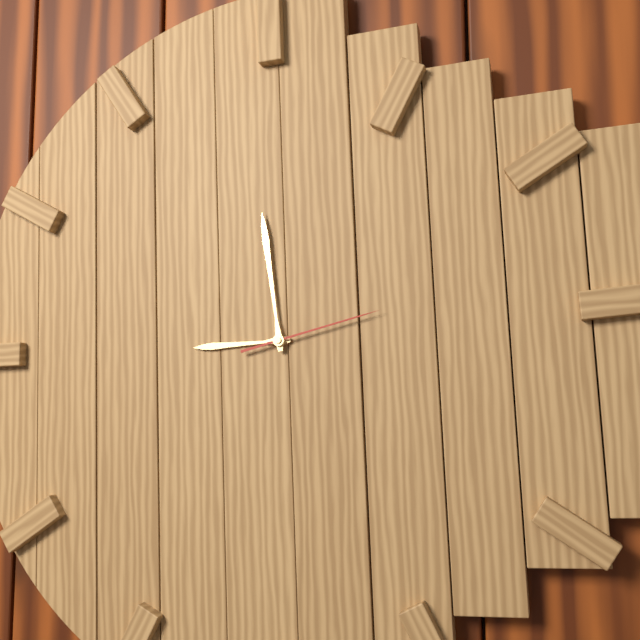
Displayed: 8 h 59 min 13 s
